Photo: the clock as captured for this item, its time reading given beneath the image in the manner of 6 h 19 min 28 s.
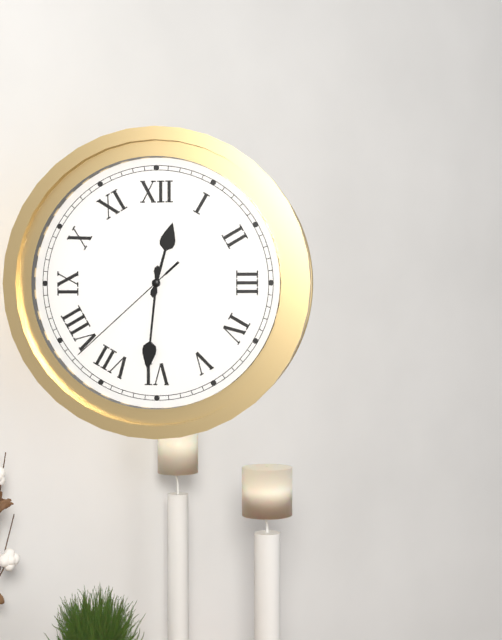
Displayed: 12 h 31 min 38 s
